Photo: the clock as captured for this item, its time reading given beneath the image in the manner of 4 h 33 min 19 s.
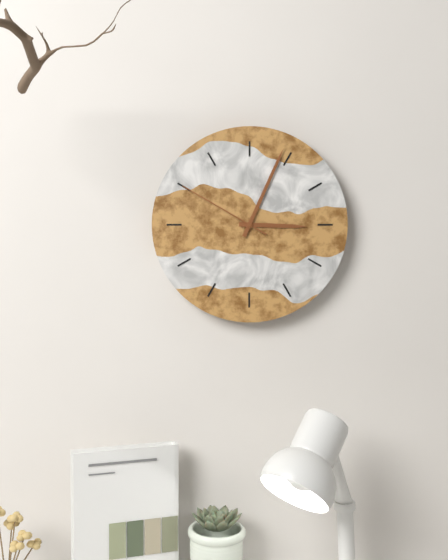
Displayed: 3 h 04 min 50 s
